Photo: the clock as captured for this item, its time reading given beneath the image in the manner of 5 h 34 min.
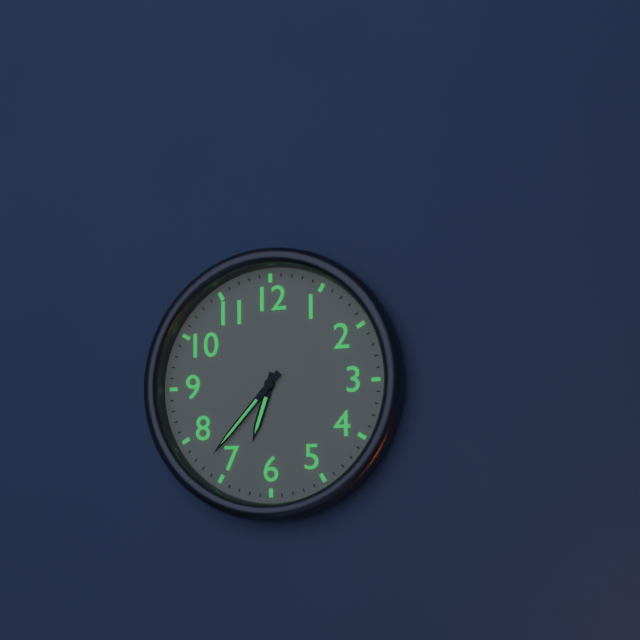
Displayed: 6 h 37 min
